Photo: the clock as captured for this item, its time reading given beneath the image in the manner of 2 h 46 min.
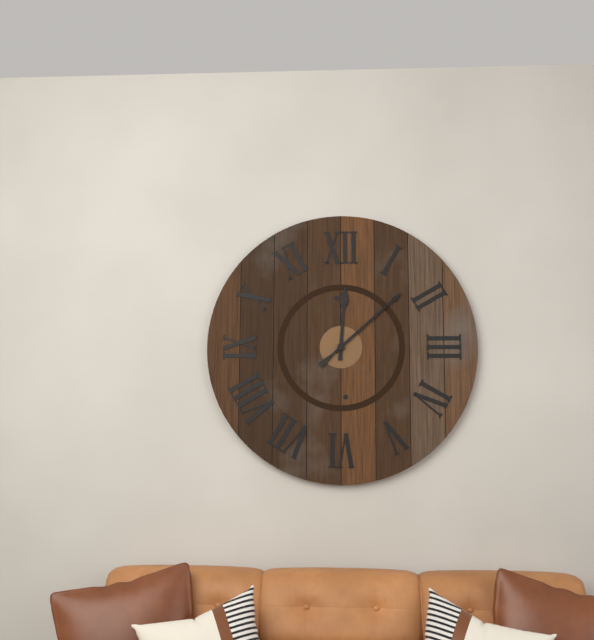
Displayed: 12 h 08 min
